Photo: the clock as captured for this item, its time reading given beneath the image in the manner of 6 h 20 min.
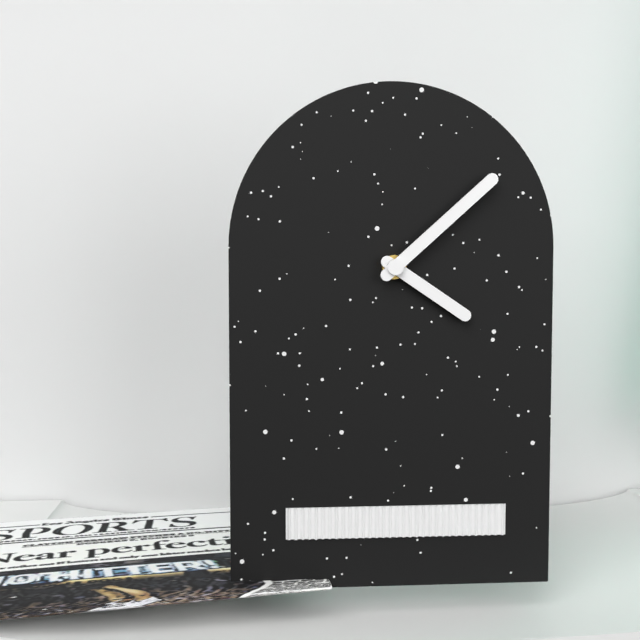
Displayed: 4 h 08 min
